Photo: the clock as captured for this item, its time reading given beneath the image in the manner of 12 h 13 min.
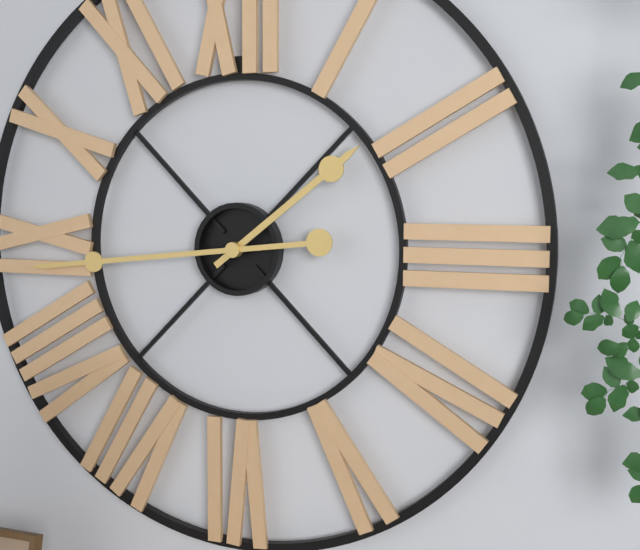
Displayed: 1 h 44 min
